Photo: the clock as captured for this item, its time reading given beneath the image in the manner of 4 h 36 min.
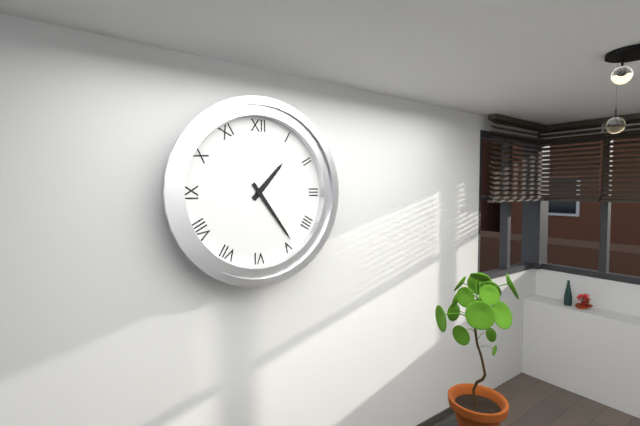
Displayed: 1 h 24 min
